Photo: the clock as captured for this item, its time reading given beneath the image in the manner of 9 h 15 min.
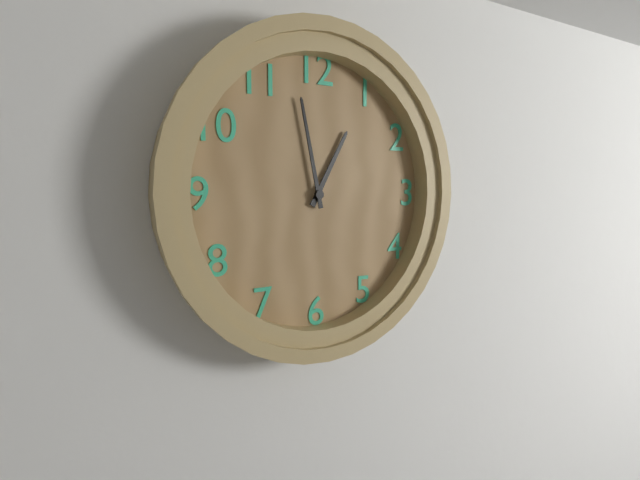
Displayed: 12 h 58 min
